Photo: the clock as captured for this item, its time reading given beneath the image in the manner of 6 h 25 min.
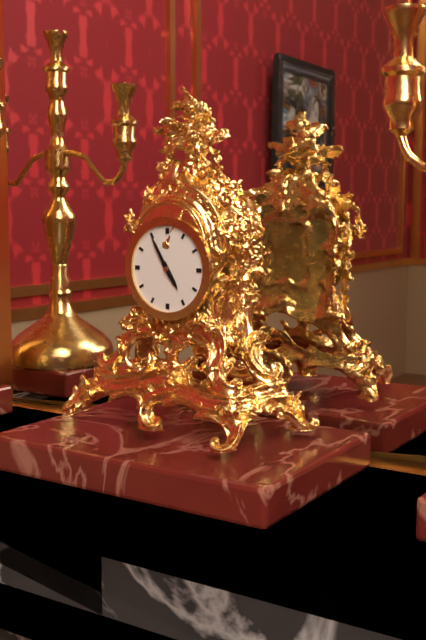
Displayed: 4 h 55 min
